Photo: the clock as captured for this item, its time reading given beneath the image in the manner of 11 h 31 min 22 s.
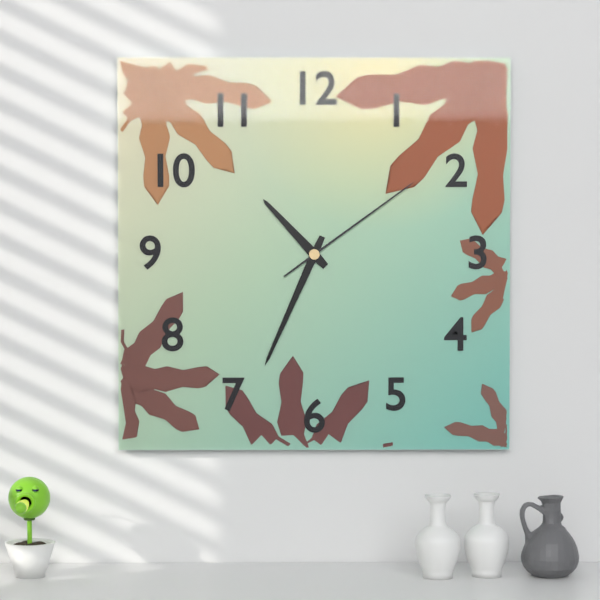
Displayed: 10 h 34 min 09 s
